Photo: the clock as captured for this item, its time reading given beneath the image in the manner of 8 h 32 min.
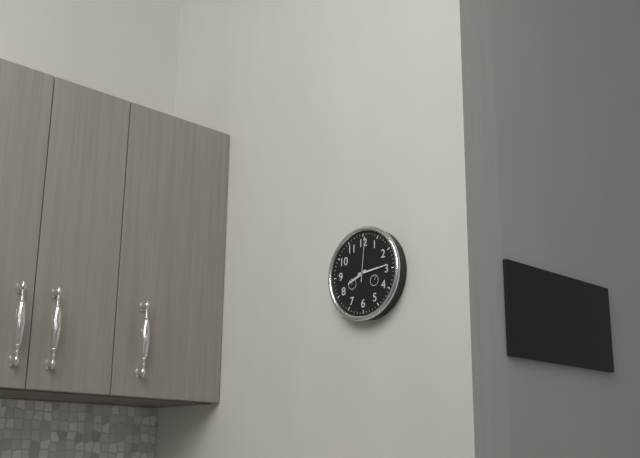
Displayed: 8 h 14 min
